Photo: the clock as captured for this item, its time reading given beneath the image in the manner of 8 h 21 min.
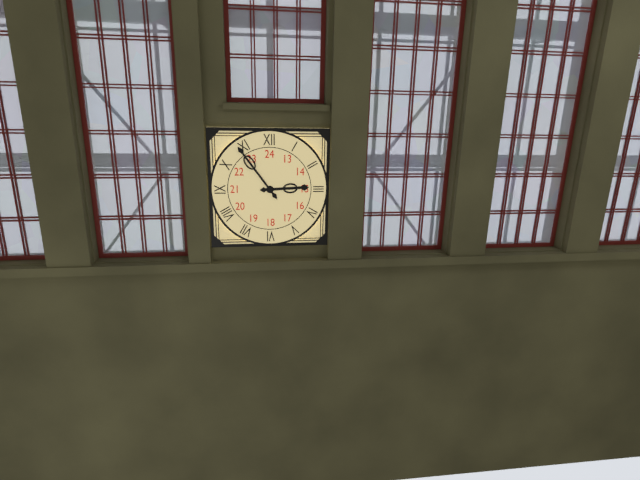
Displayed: 2 h 54 min
